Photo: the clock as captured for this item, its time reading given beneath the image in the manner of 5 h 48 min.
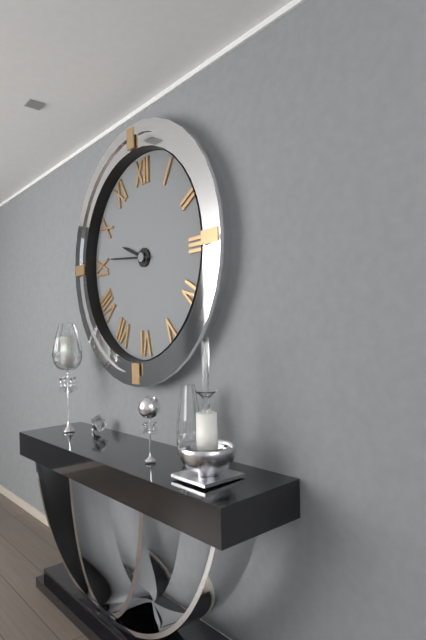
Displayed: 9 h 46 min
